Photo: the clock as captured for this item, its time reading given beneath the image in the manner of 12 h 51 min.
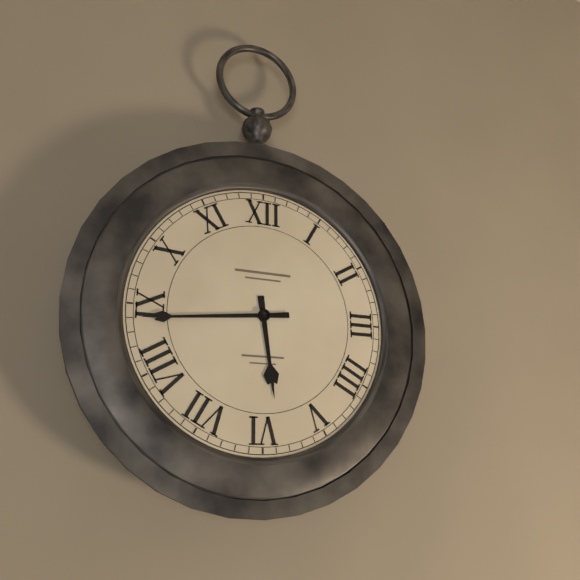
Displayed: 5 h 44 min
